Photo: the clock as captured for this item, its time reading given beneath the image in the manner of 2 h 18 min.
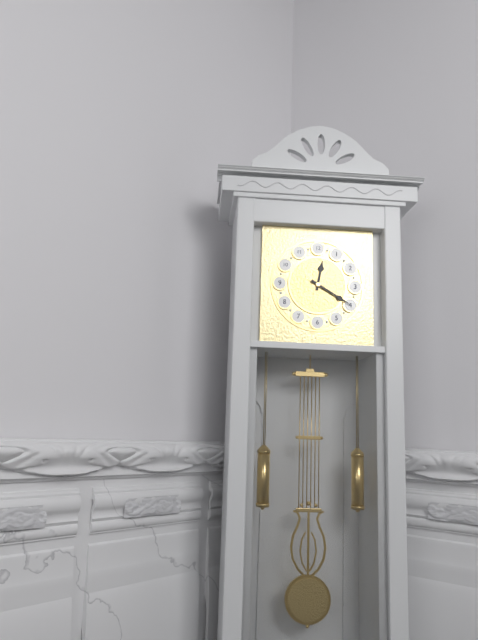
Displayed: 12 h 20 min
